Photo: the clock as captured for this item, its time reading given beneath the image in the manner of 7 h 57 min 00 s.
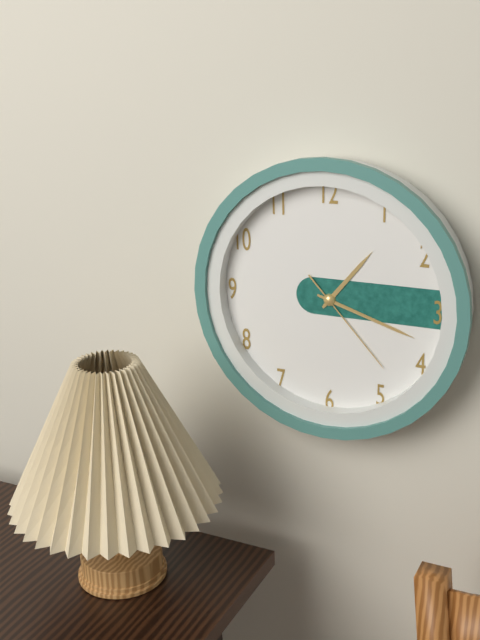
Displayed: 1 h 18 min 23 s
